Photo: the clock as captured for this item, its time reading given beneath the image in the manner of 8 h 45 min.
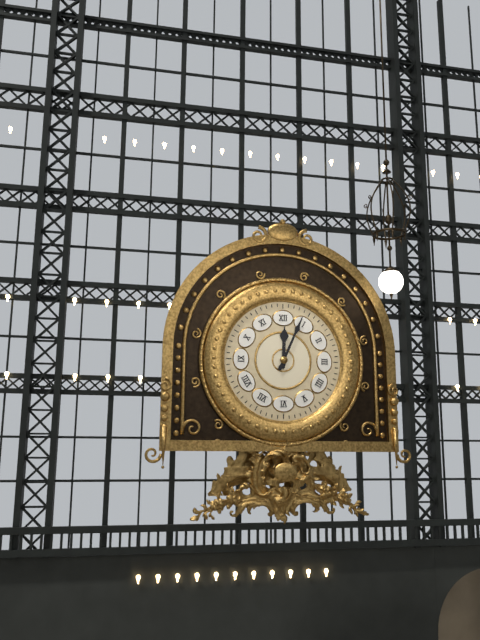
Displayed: 12 h 04 min
